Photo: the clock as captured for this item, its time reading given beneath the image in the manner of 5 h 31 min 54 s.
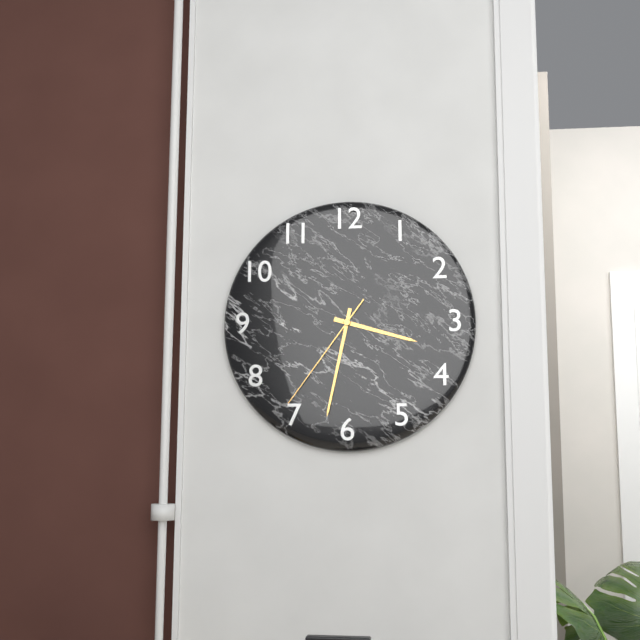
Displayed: 3 h 32 min 36 s
